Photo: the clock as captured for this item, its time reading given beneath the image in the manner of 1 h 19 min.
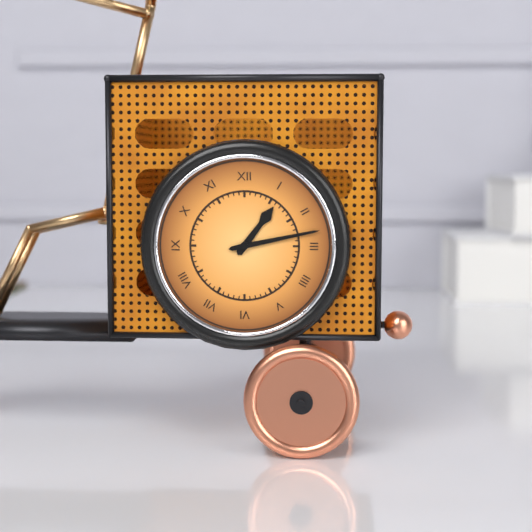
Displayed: 1 h 13 min
